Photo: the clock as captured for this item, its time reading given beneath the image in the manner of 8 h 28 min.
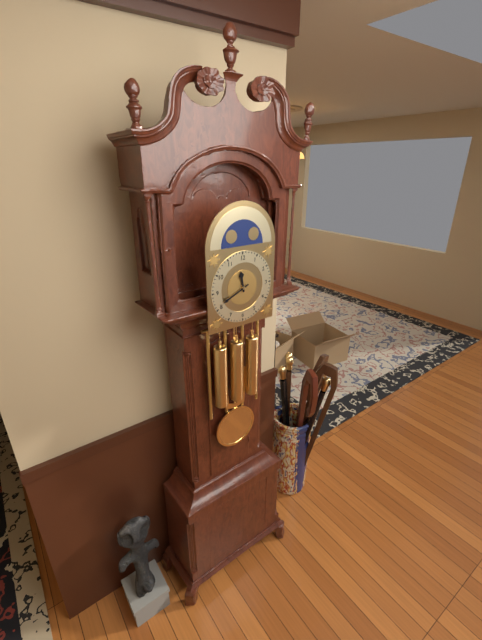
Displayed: 11 h 41 min
